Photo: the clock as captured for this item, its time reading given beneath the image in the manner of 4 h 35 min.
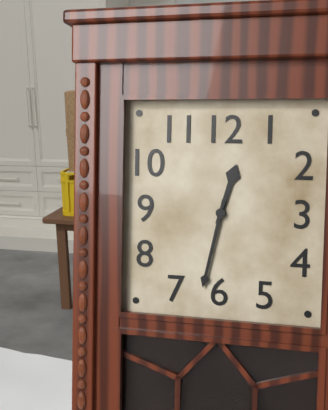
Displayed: 12 h 32 min
